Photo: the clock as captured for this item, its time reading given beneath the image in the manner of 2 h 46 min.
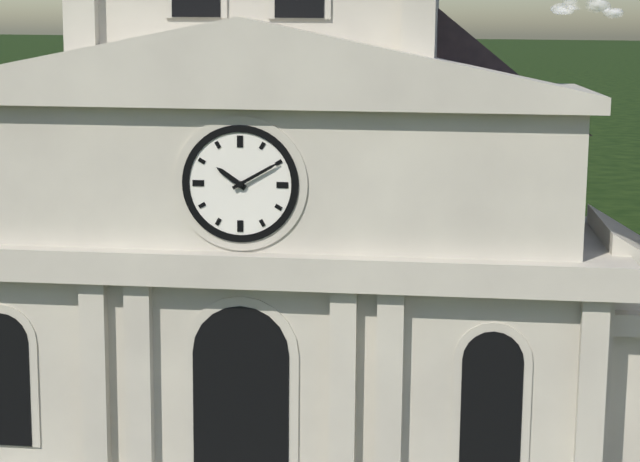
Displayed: 10 h 10 min
